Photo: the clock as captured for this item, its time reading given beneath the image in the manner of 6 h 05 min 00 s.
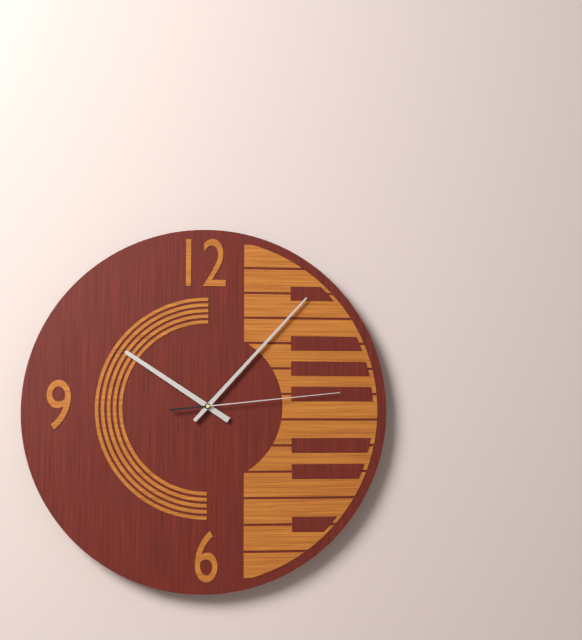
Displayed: 10 h 07 min 14 s
